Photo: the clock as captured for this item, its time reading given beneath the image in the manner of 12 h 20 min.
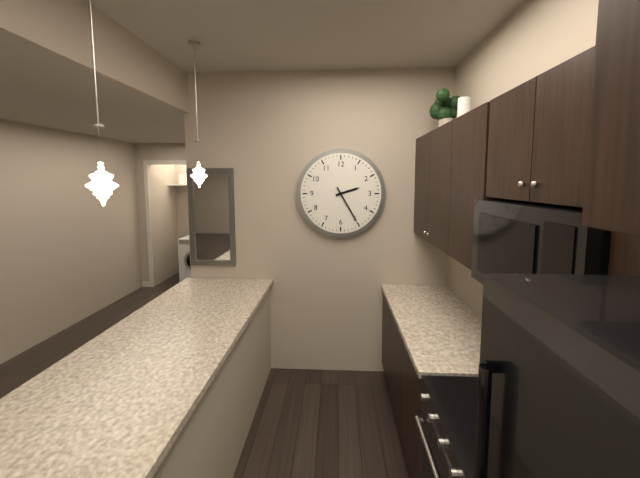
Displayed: 2 h 25 min
